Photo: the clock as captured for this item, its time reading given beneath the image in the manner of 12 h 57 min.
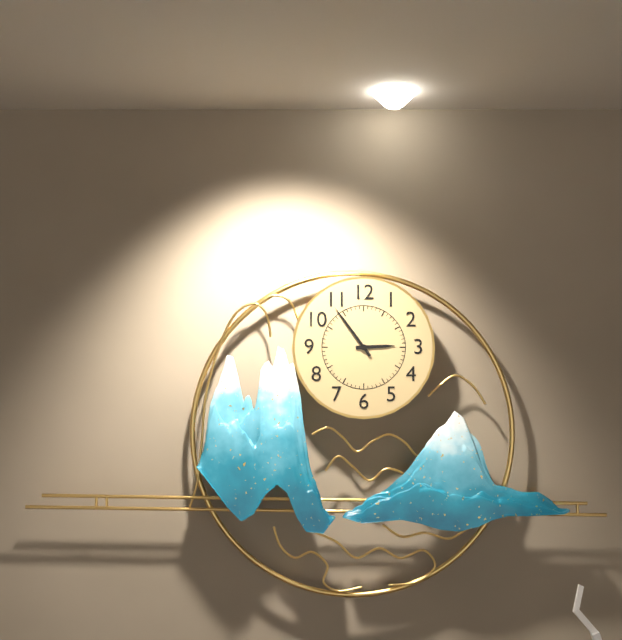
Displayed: 2 h 54 min
